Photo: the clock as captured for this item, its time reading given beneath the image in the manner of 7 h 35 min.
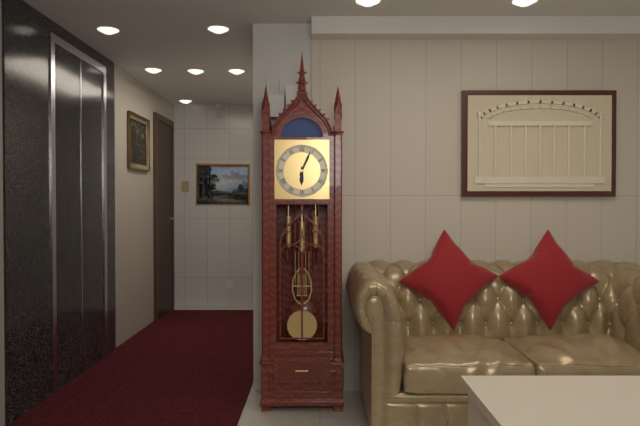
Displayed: 6 h 04 min
